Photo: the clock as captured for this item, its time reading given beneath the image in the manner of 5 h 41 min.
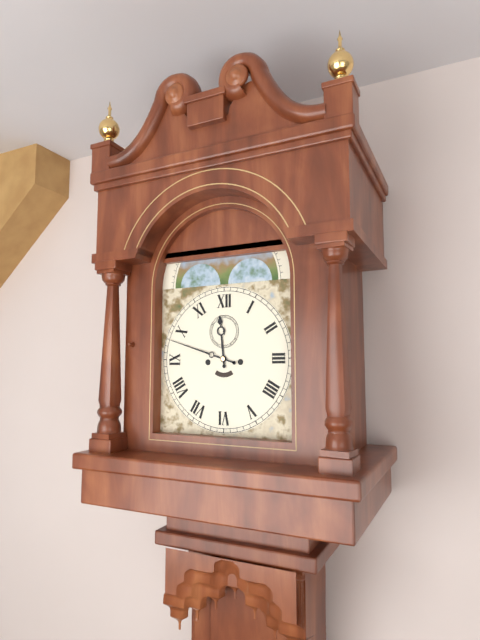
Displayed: 11 h 48 min
